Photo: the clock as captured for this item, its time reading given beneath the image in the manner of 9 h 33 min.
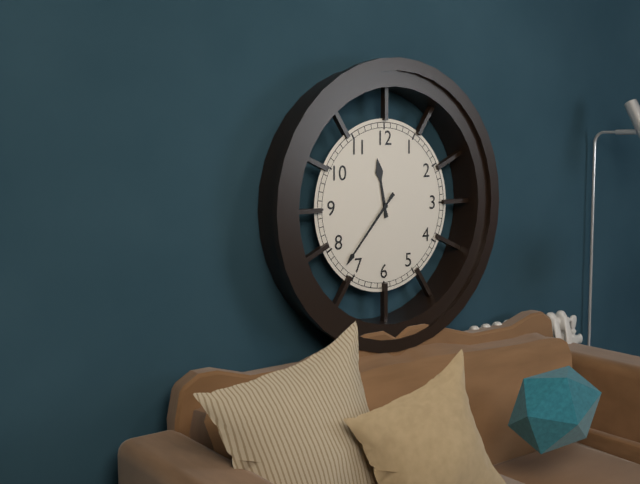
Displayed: 11 h 37 min
